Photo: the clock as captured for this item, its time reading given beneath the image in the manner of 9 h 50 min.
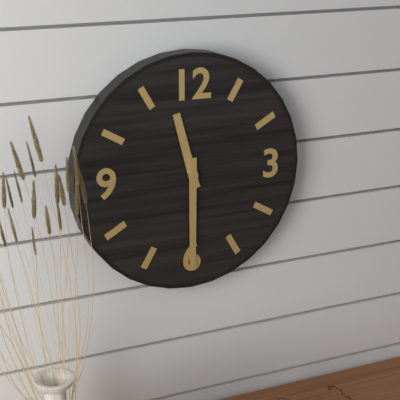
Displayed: 11 h 30 min
